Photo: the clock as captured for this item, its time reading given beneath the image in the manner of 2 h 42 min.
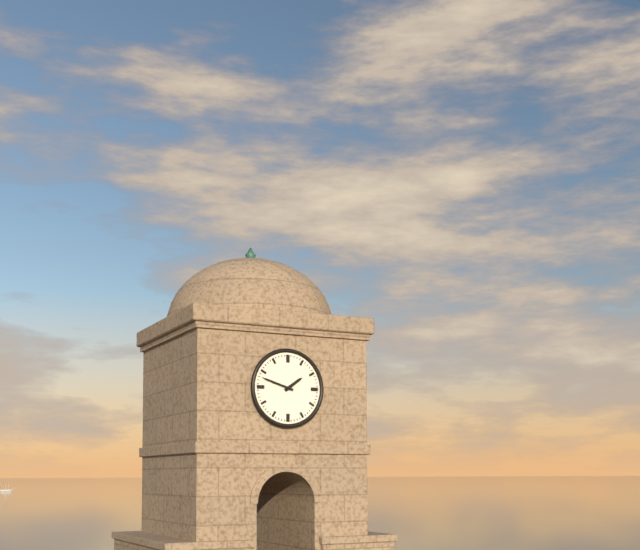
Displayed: 1 h 48 min
